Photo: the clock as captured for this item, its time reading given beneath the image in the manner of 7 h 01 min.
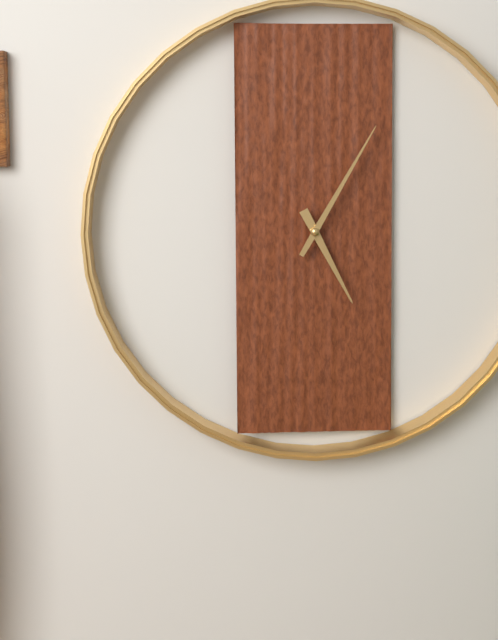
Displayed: 5 h 05 min
